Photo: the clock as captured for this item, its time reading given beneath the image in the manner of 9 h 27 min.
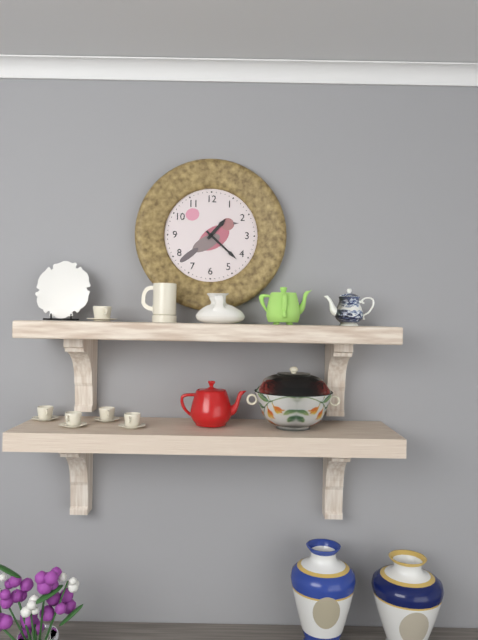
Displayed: 1 h 22 min
